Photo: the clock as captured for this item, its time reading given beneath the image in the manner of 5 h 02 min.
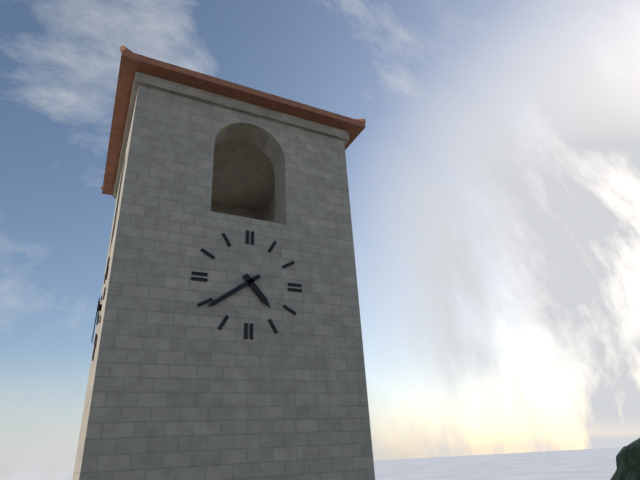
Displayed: 4 h 39 min
